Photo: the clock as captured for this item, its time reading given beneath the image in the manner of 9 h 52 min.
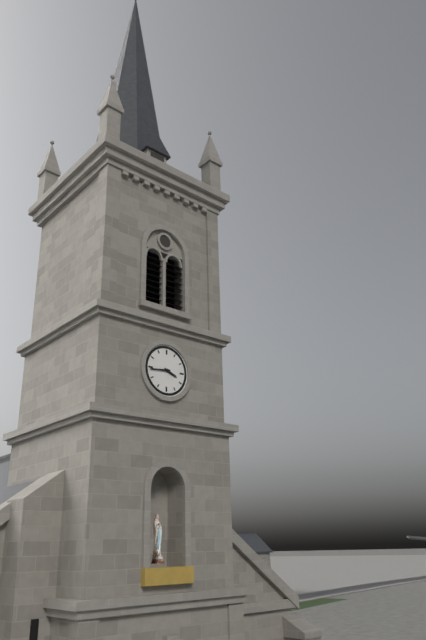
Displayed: 3 h 44 min
